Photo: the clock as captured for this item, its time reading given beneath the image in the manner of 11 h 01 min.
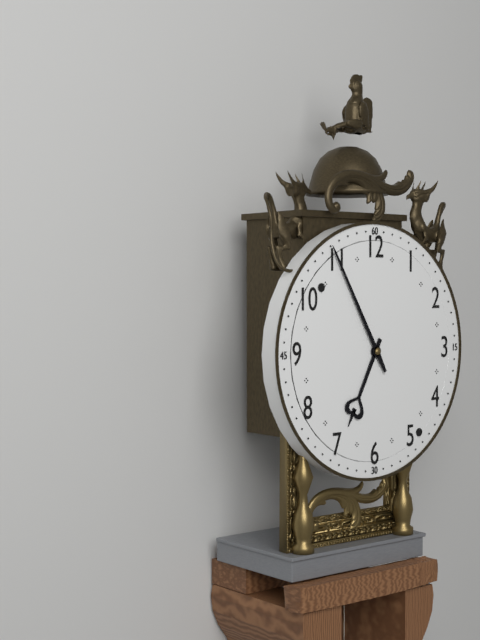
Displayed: 6 h 55 min
